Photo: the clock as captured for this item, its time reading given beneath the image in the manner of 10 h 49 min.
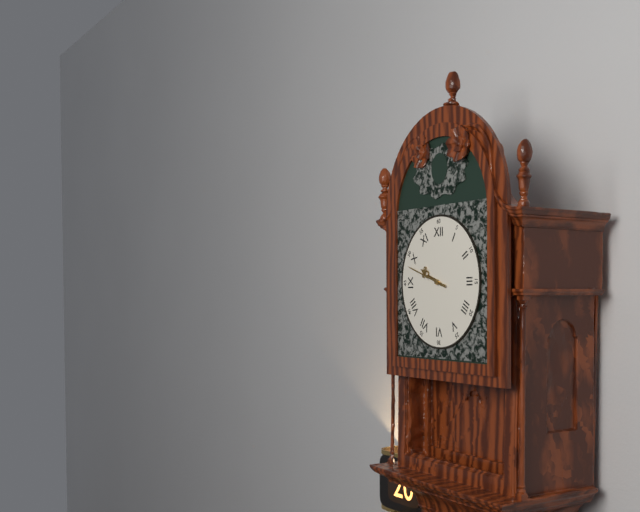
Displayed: 9 h 48 min
